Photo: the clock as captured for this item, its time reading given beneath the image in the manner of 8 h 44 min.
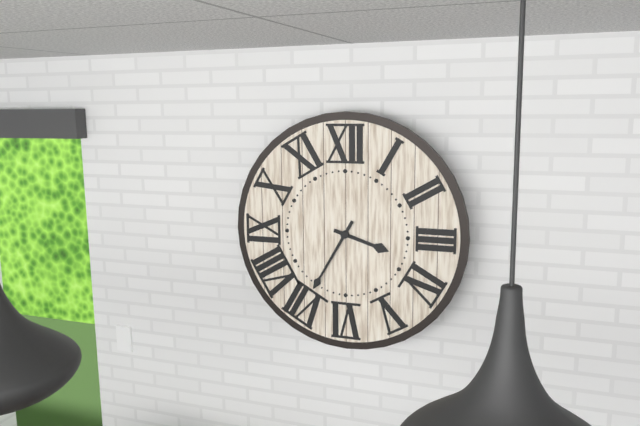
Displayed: 3 h 35 min
